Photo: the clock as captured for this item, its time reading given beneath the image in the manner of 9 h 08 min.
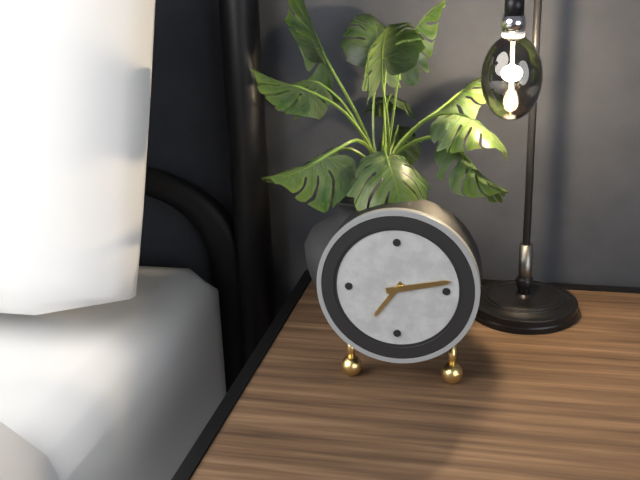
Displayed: 7 h 13 min
